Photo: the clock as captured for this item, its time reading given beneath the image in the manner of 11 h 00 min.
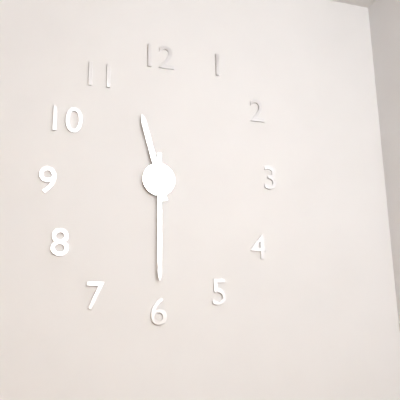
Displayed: 11 h 30 min
